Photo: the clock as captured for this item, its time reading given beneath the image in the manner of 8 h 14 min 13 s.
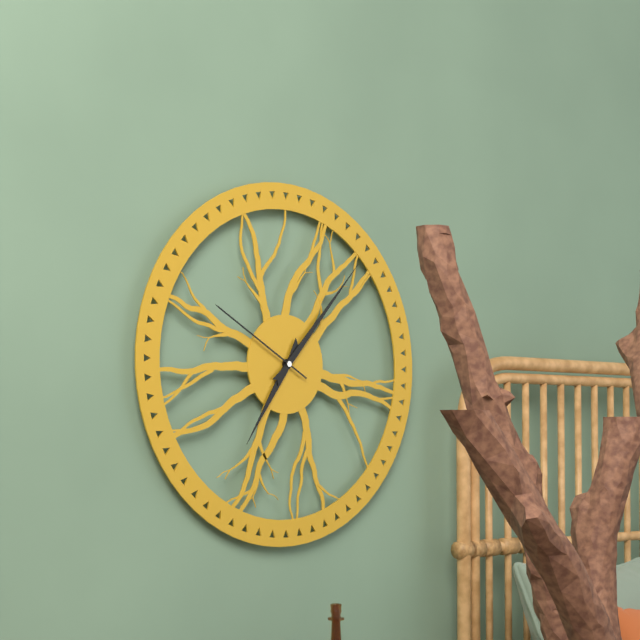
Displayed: 7 h 07 min 50 s
